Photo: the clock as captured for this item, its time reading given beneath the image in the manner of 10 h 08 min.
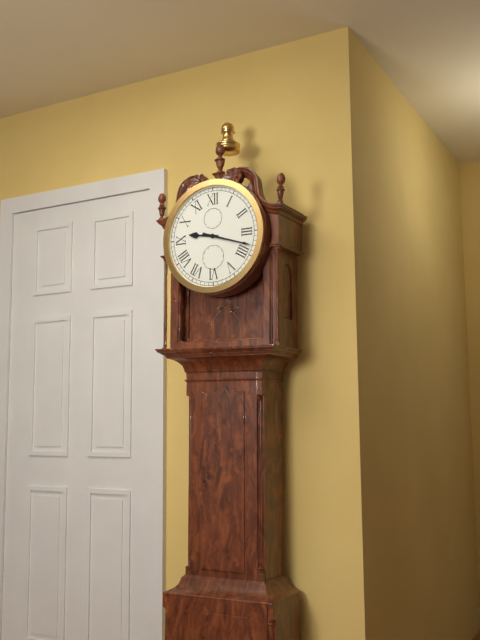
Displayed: 9 h 18 min
